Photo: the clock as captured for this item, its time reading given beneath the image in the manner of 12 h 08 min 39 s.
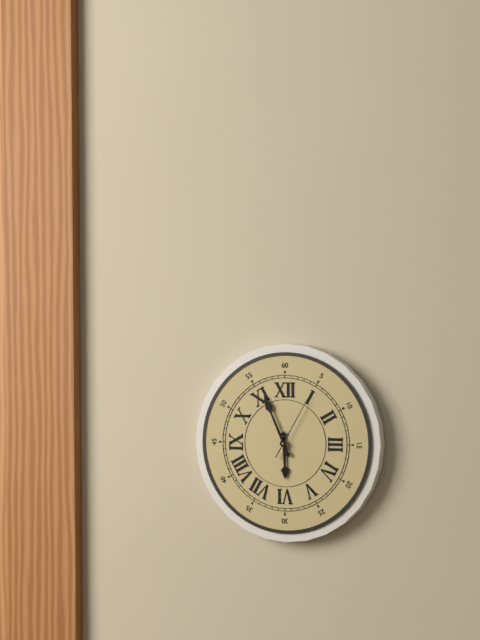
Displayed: 5 h 56 min 05 s
